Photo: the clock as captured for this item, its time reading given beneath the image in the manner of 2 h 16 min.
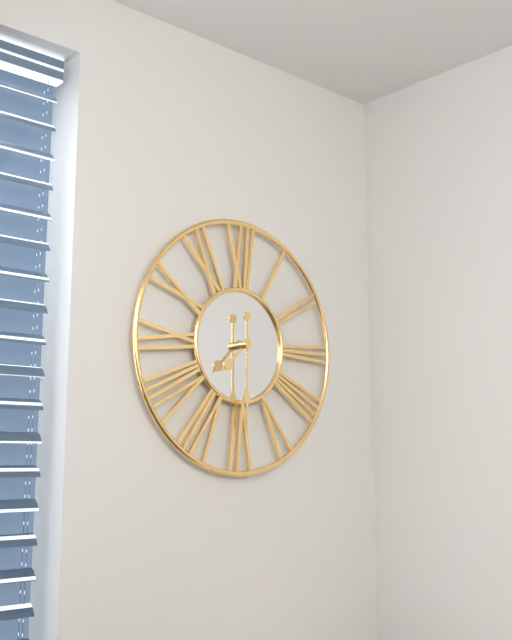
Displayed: 7 h 30 min
